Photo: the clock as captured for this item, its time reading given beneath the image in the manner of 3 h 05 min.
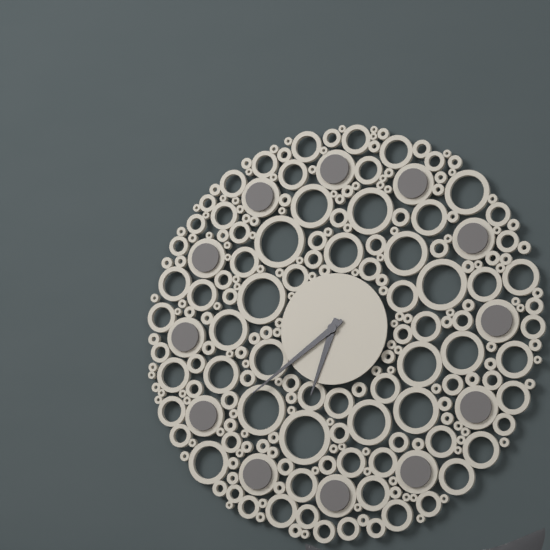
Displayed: 6 h 39 min
